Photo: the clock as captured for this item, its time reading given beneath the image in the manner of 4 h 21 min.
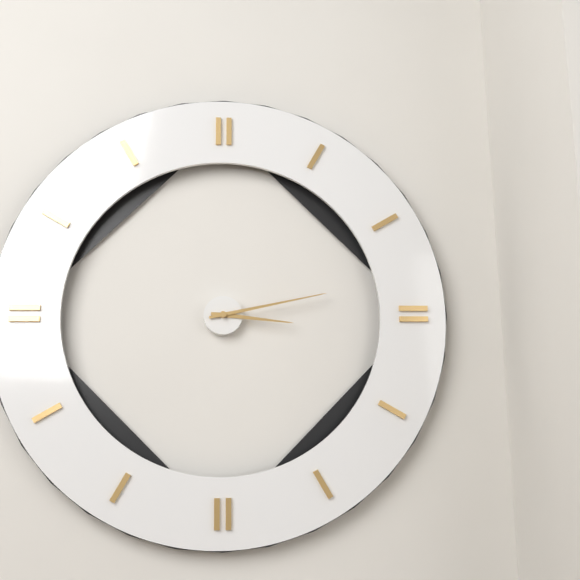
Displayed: 3 h 13 min
